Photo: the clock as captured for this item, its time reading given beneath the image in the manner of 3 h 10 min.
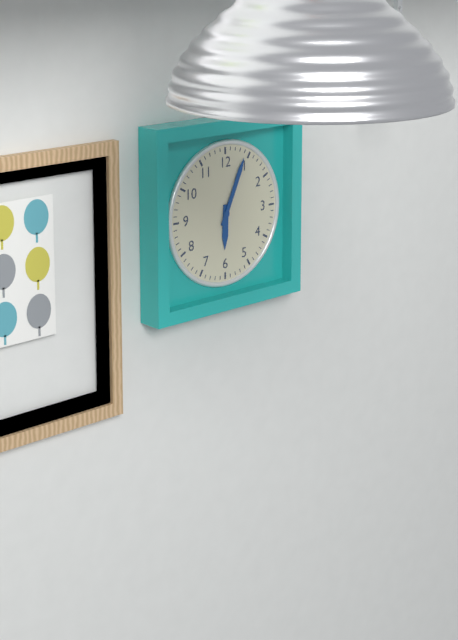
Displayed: 6 h 04 min
